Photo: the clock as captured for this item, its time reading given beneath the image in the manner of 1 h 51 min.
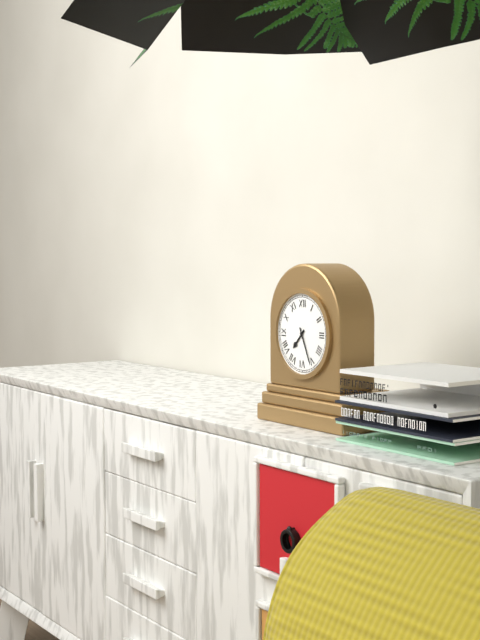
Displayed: 7 h 26 min
